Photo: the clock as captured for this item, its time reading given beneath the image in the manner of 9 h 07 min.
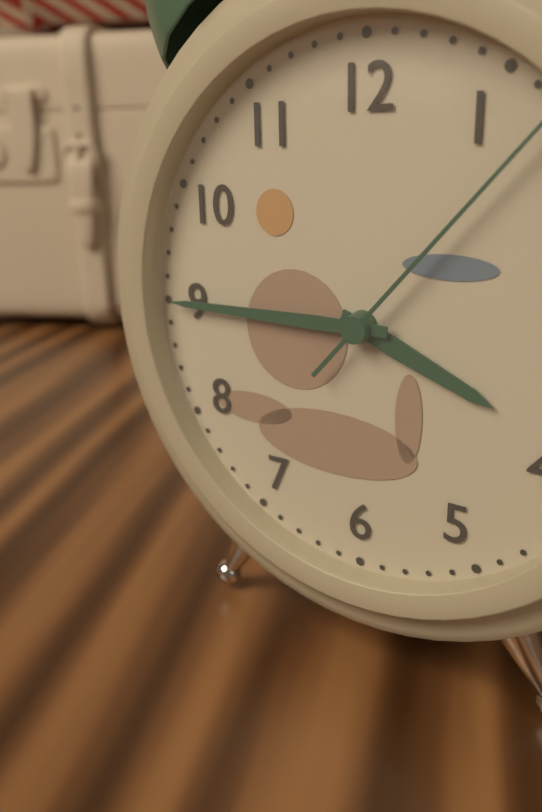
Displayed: 3 h 45 min
